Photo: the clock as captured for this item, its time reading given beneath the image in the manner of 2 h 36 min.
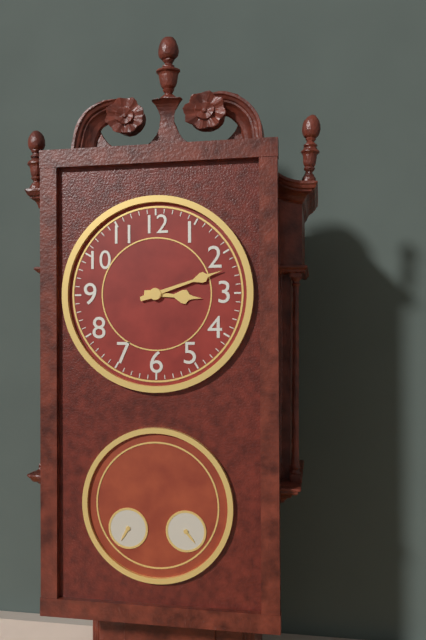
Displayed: 3 h 12 min
